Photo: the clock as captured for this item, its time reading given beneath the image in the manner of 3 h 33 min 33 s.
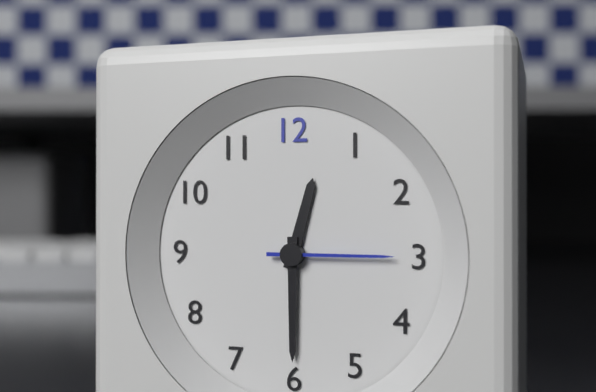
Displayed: 12 h 30 min 15 s
